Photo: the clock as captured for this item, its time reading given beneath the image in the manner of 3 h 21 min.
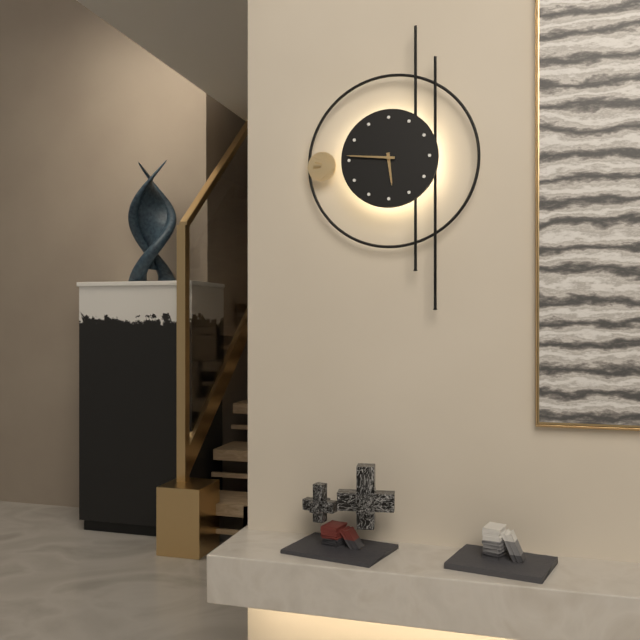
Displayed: 5 h 46 min
